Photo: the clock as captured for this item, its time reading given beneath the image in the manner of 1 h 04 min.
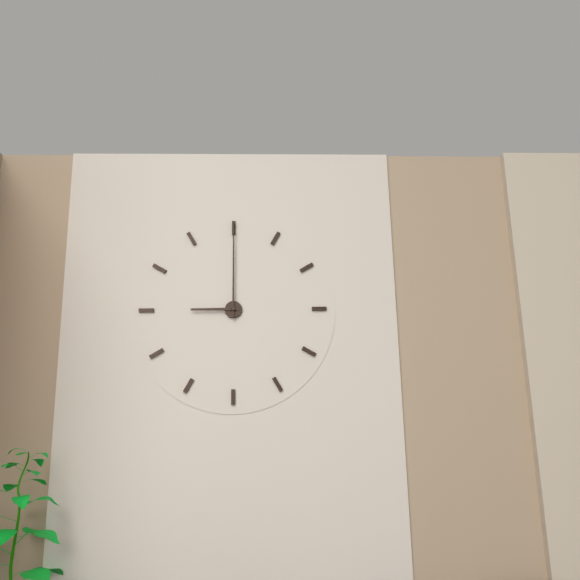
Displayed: 9 h 00 min
